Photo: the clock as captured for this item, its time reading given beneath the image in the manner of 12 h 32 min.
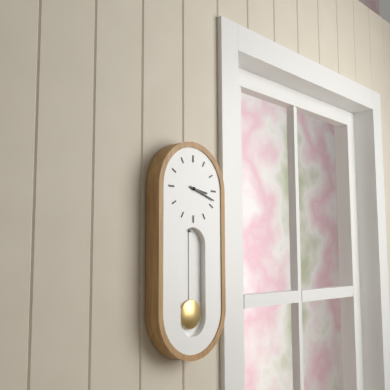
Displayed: 3 h 18 min
